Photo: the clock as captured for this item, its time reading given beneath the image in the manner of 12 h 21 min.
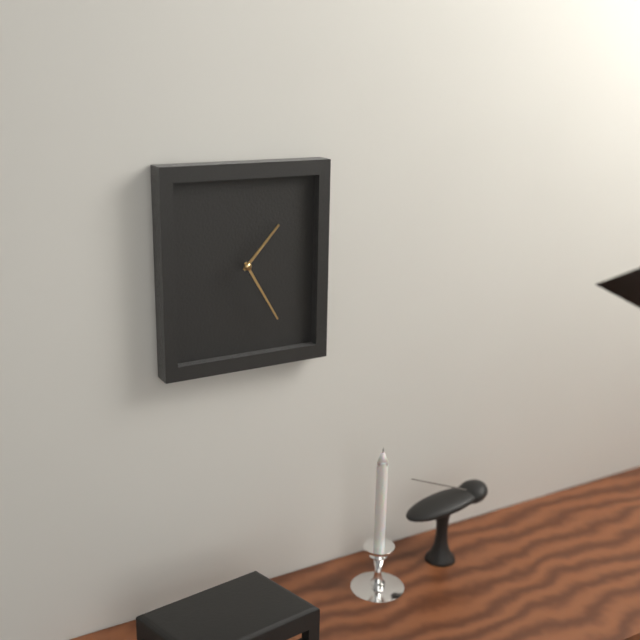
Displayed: 1 h 25 min
